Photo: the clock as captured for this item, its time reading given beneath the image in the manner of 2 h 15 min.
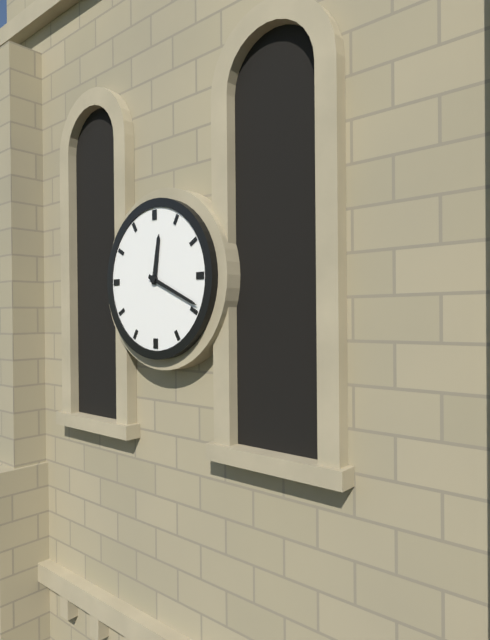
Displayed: 12 h 19 min
